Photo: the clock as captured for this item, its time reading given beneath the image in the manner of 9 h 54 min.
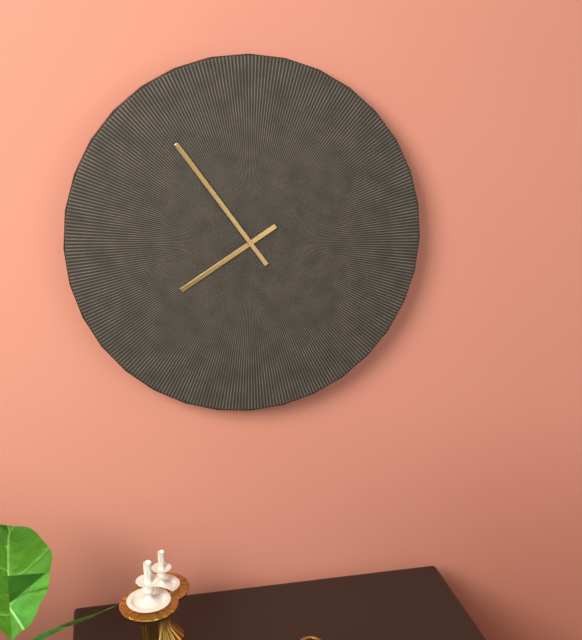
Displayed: 7 h 54 min
